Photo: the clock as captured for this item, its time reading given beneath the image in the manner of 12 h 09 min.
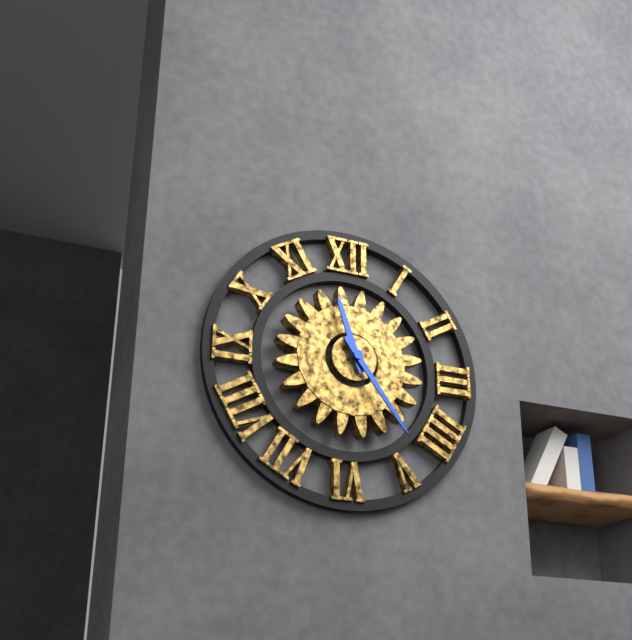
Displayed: 11 h 24 min
